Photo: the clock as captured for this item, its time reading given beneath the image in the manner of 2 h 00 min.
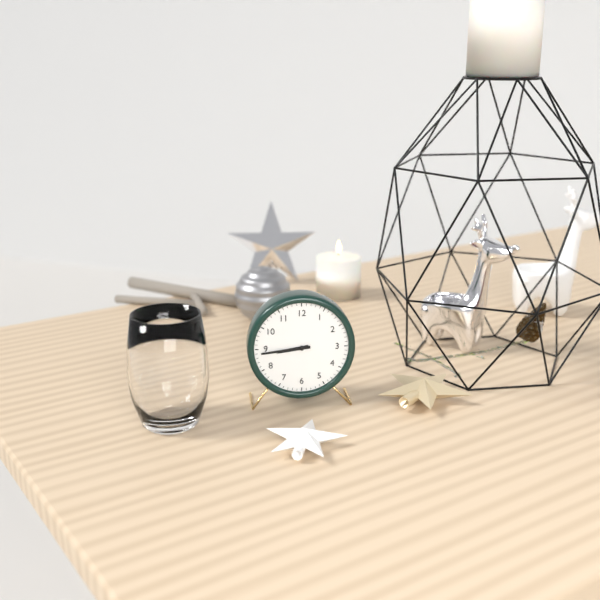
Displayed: 8 h 44 min
